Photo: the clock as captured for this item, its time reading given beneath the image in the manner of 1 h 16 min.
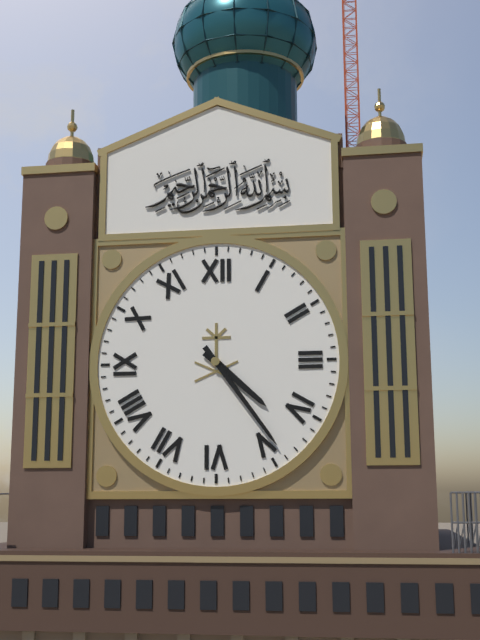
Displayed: 4 h 24 min
